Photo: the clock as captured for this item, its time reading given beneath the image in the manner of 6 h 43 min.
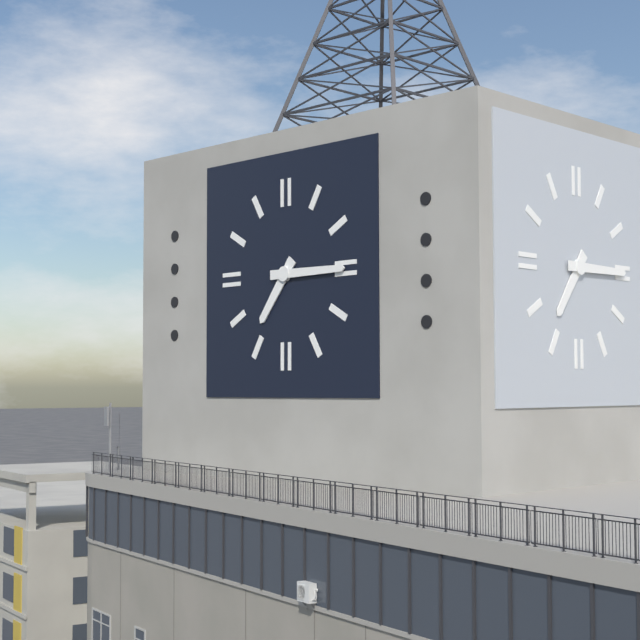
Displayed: 7 h 15 min
